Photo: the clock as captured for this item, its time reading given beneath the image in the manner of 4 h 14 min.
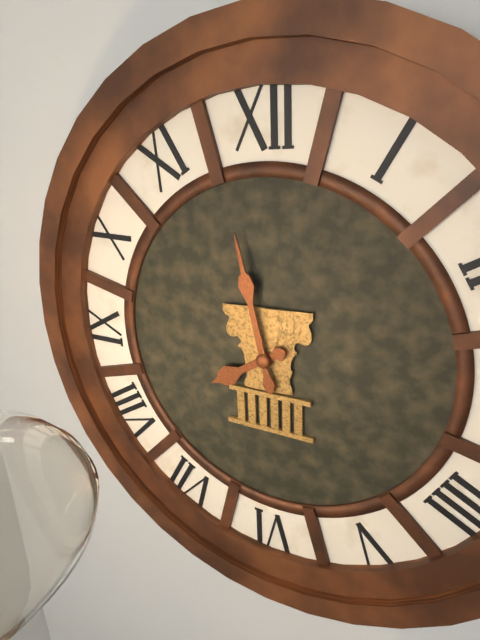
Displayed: 7 h 58 min
